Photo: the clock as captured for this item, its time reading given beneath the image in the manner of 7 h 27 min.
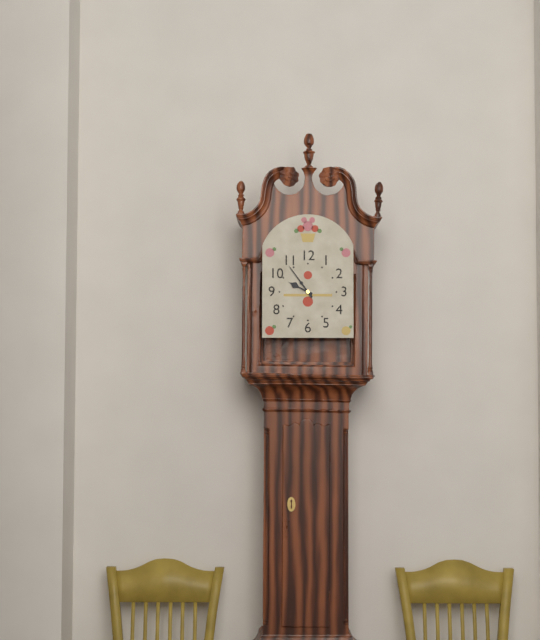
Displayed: 9 h 54 min
